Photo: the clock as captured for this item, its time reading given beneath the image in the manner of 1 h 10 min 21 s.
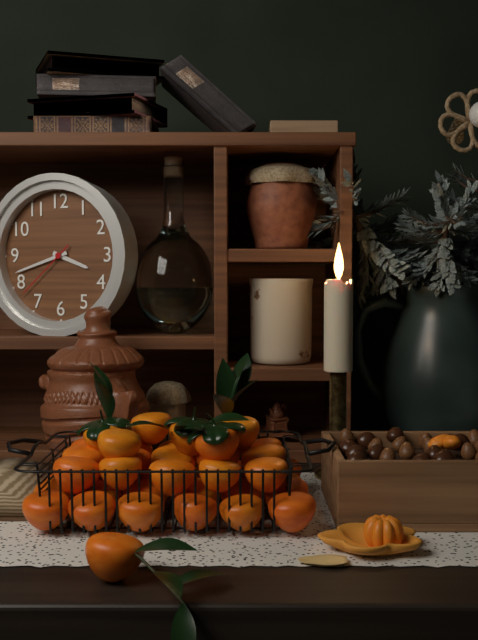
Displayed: 3 h 42 min 38 s
